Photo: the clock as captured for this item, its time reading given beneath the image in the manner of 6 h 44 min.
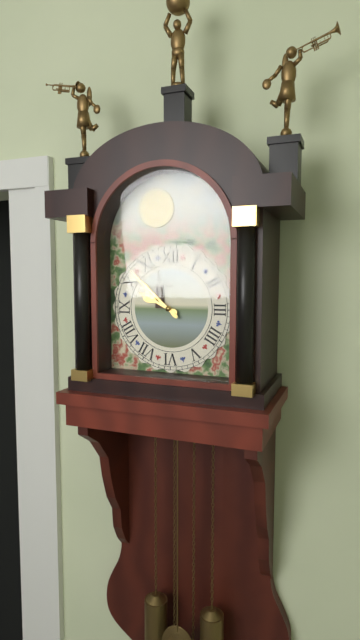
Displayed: 9 h 52 min
